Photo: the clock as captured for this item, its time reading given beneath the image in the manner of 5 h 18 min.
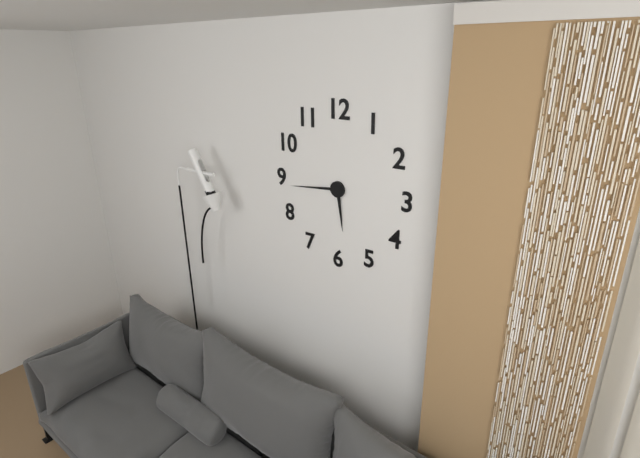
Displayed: 5 h 44 min
